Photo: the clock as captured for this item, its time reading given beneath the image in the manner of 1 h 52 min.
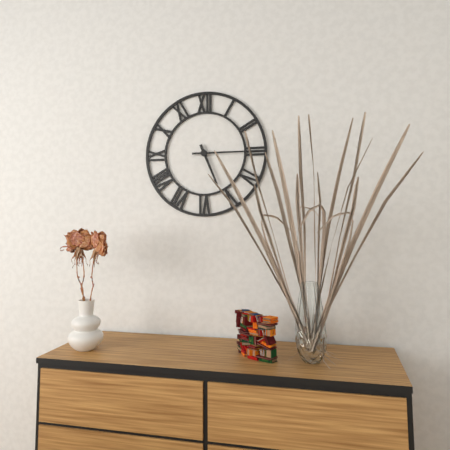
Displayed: 5 h 15 min
